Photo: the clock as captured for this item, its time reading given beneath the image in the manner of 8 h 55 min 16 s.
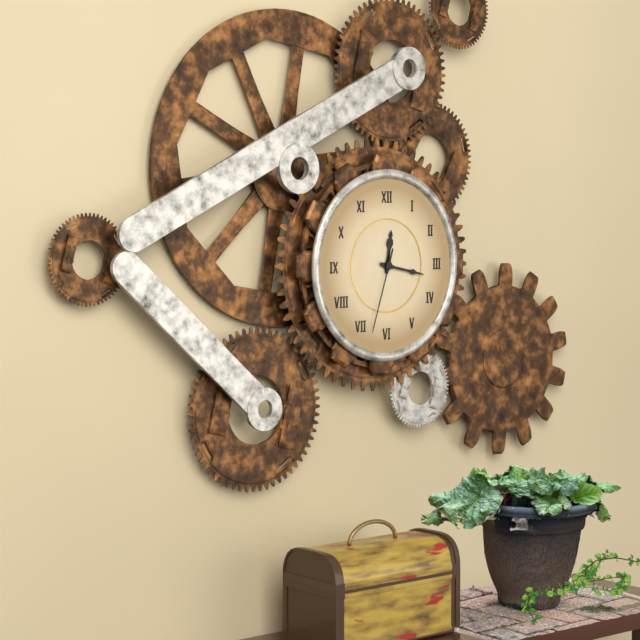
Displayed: 12 h 17 min 33 s
